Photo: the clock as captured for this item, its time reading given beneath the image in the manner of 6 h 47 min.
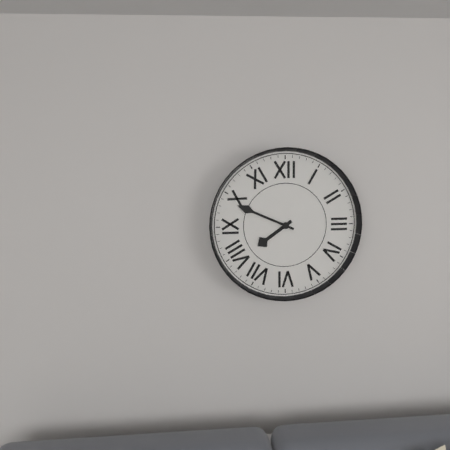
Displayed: 7 h 49 min
